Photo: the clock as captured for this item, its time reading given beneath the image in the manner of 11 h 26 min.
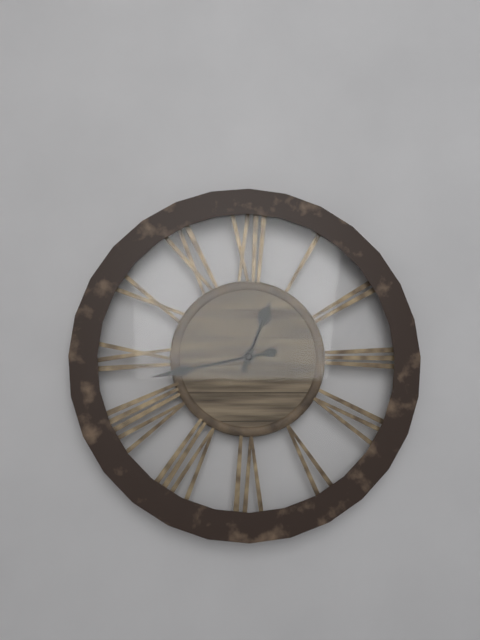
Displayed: 12 h 43 min
